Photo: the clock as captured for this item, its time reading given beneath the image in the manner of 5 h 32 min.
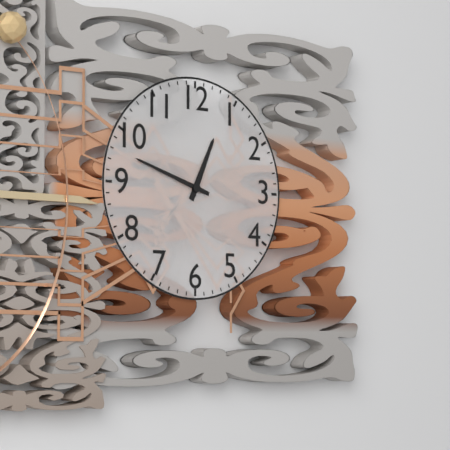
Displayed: 12 h 48 min
